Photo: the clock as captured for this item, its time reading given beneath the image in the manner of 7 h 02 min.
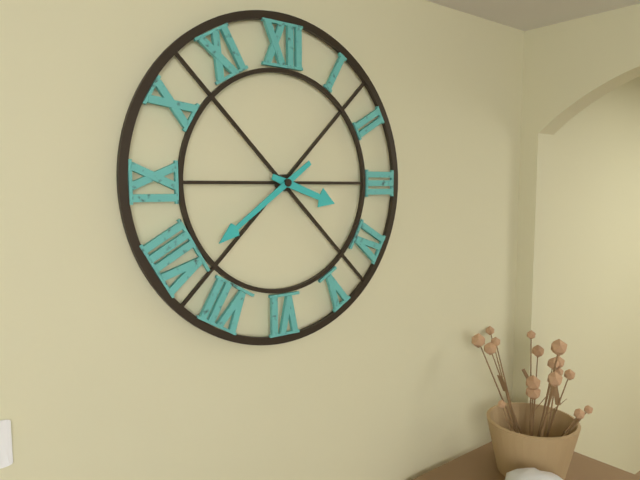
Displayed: 3 h 39 min
